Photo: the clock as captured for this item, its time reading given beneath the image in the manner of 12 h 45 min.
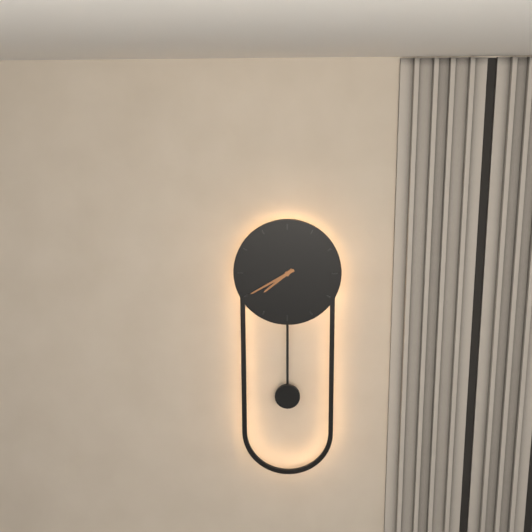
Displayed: 7 h 40 min
